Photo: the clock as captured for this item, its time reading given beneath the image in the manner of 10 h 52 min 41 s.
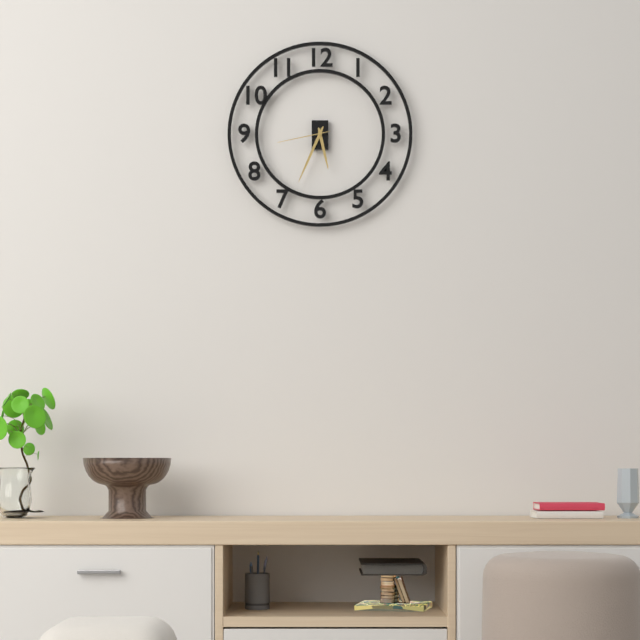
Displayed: 5 h 34 min 43 s
